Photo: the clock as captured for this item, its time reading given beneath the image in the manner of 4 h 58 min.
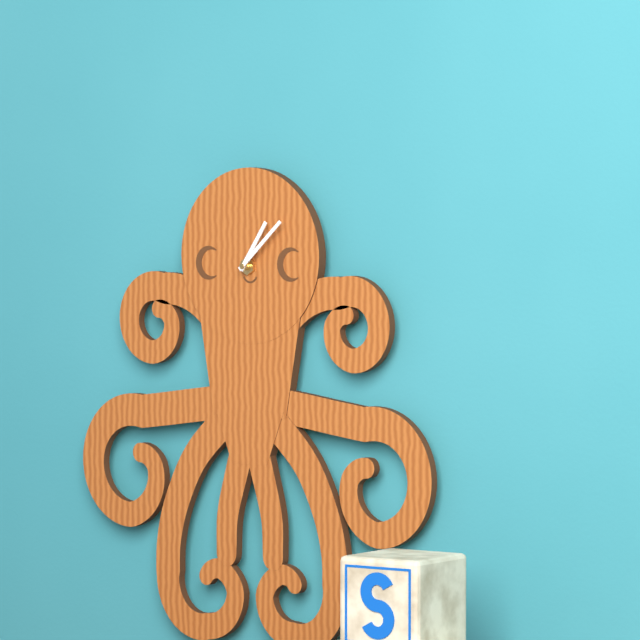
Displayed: 1 h 08 min
